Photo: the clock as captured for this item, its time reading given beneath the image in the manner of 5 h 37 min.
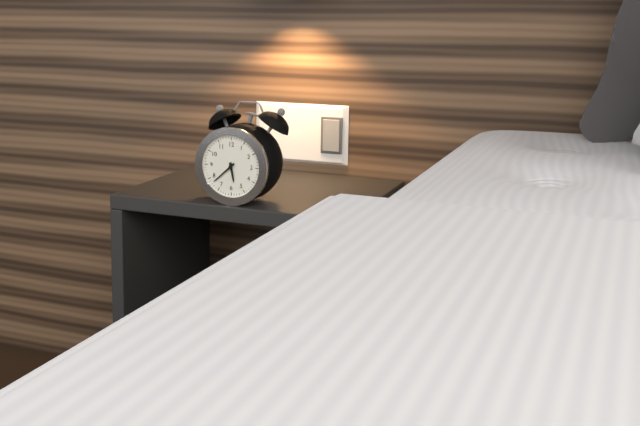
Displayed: 5 h 38 min
